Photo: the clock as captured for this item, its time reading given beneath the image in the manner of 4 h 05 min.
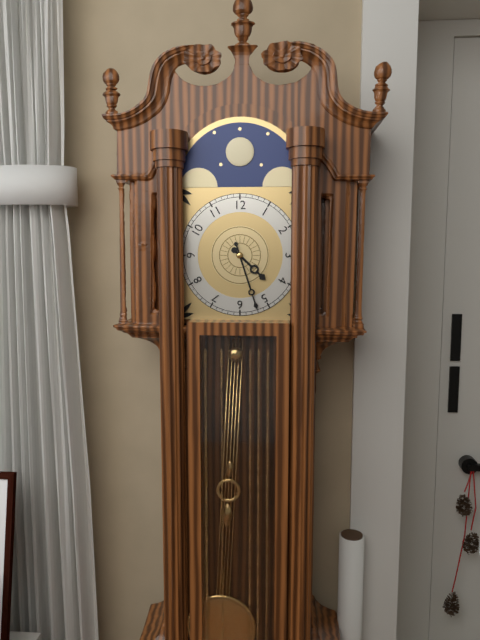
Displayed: 4 h 27 min
